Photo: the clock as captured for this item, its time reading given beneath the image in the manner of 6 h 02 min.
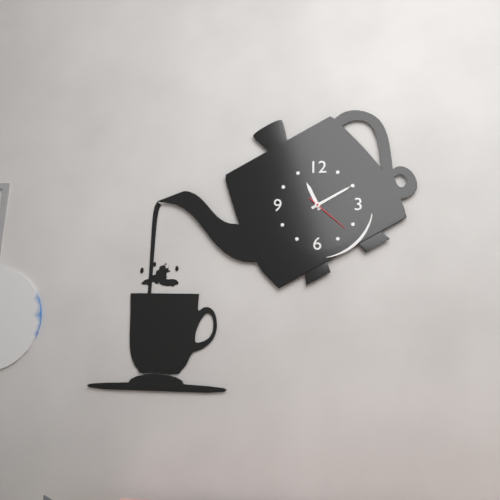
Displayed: 11 h 10 min
